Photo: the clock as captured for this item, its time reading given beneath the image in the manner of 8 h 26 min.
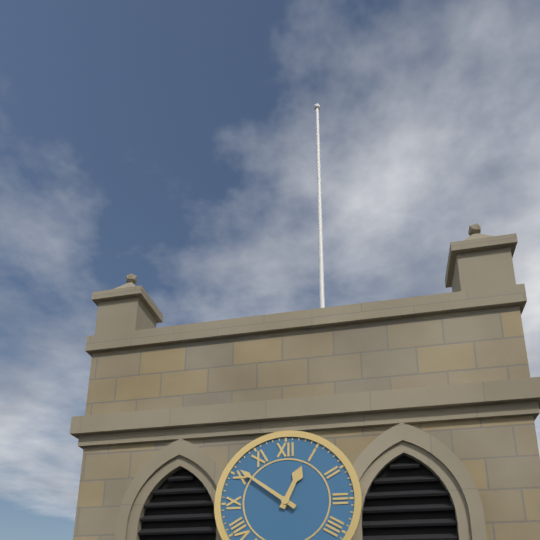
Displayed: 12 h 51 min
